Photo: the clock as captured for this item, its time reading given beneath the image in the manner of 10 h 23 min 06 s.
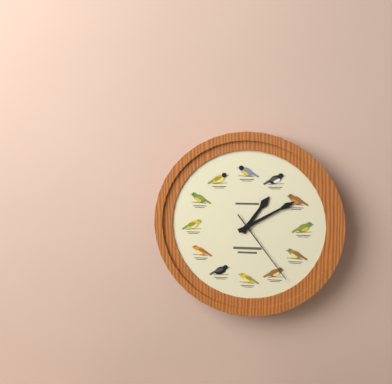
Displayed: 1 h 10 min 24 s
